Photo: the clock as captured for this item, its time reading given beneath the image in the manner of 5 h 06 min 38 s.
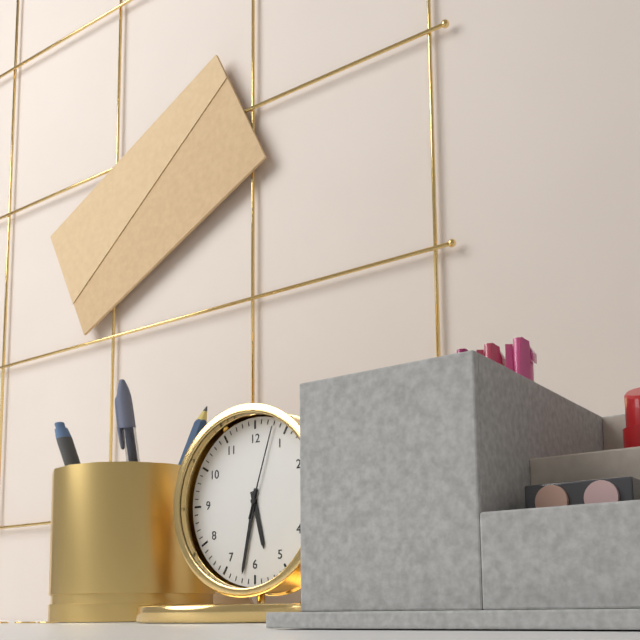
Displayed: 5 h 32 min 03 s
